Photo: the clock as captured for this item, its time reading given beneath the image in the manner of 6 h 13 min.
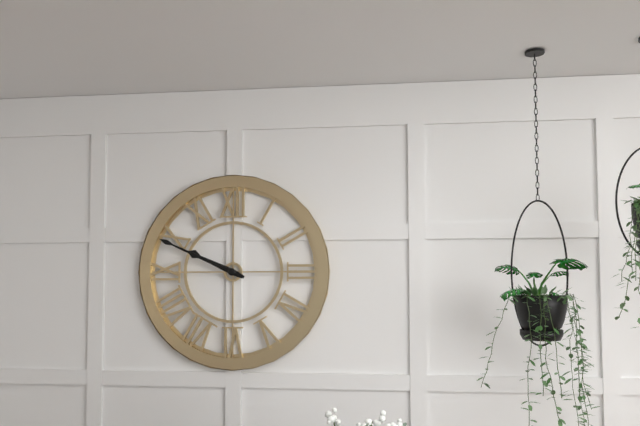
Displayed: 9 h 49 min
